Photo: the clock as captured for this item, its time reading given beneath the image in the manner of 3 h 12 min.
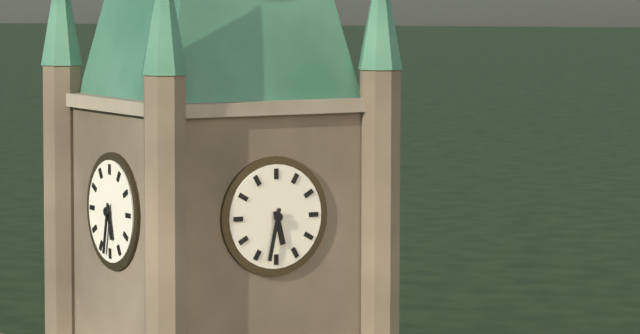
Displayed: 5 h 32 min
